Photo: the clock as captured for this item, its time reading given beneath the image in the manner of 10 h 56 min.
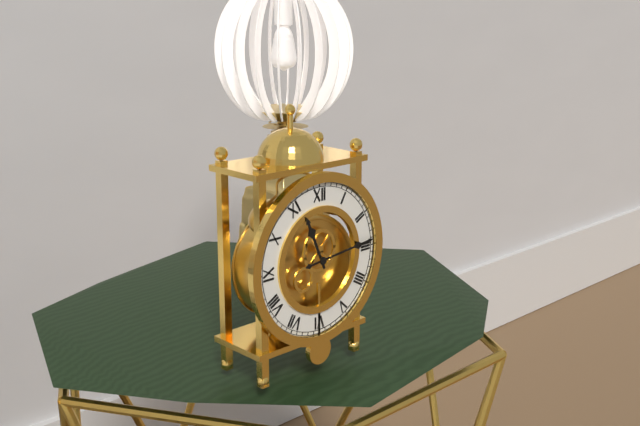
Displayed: 11 h 14 min
